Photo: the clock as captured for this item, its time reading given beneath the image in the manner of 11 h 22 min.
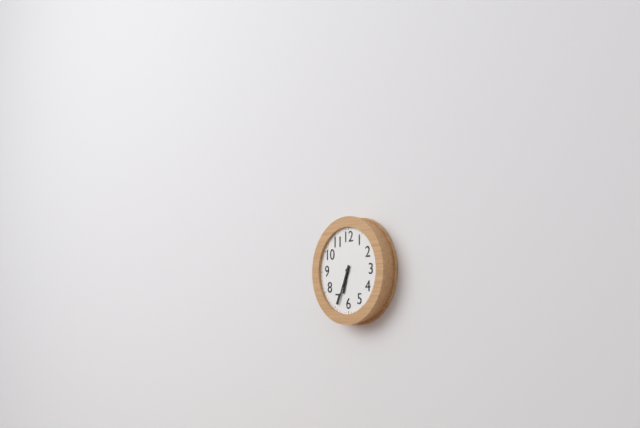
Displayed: 6 h 34 min
